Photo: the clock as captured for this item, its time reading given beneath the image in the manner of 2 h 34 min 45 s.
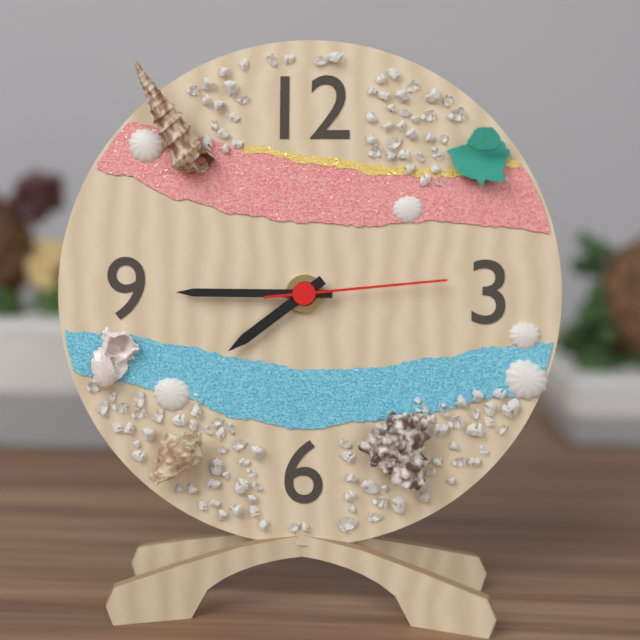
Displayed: 7 h 45 min 14 s
